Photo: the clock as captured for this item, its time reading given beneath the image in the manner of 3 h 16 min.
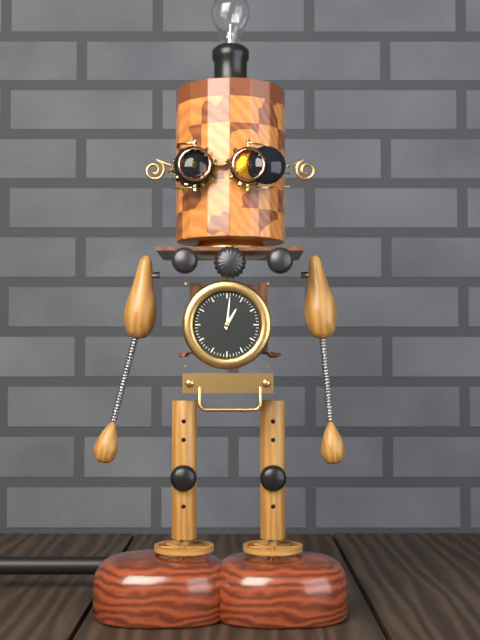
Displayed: 1 h 01 min
